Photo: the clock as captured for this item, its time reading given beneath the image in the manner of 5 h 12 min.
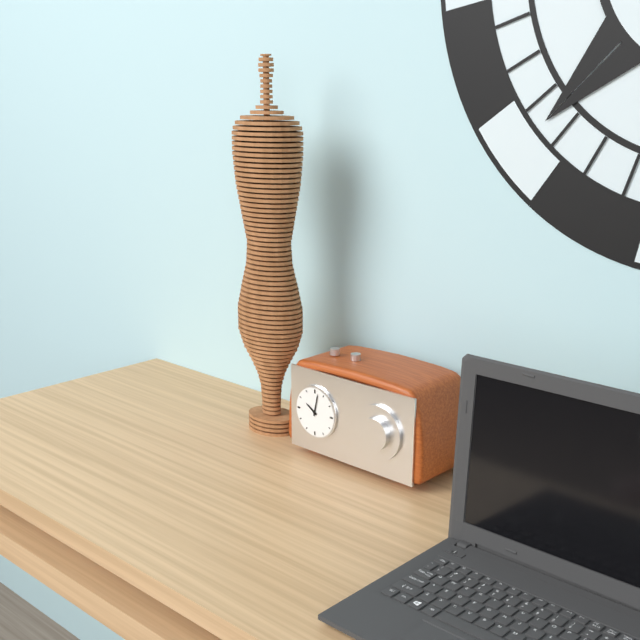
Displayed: 10 h 02 min
